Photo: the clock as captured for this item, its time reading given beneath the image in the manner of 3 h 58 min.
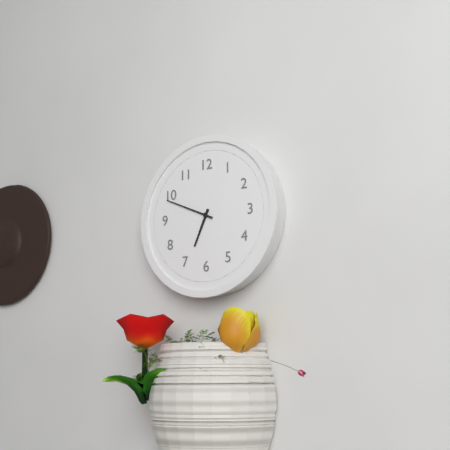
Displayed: 6 h 49 min
